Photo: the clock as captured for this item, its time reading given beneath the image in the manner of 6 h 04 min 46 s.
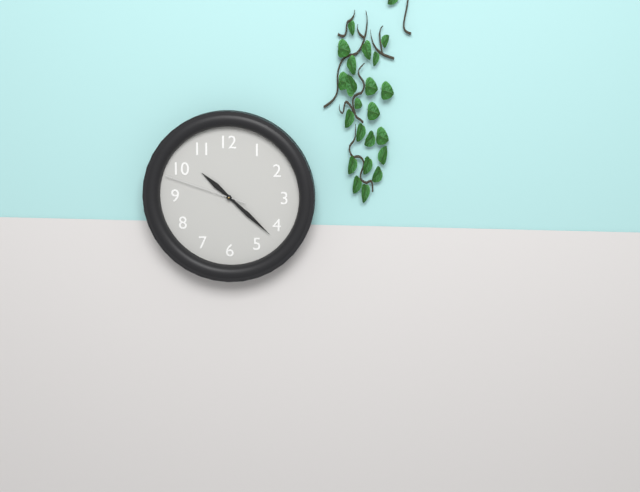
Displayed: 10 h 22 min 48 s
